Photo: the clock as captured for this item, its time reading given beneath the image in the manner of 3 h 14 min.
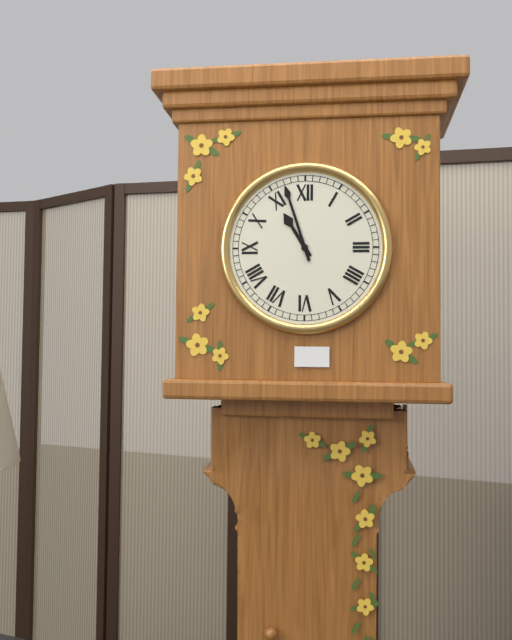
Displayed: 10 h 57 min
